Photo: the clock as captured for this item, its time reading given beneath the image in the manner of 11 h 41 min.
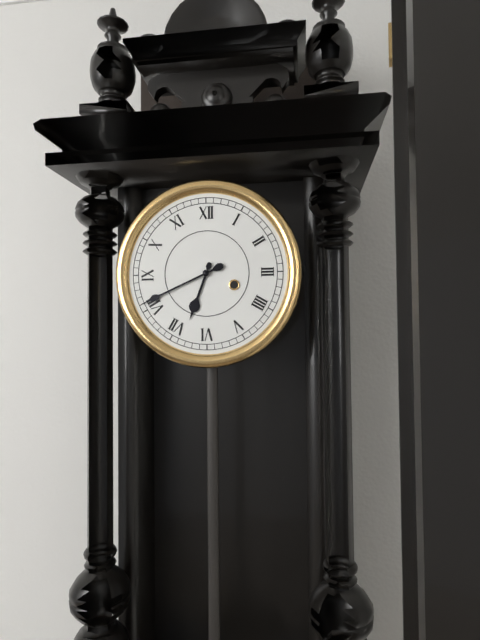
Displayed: 6 h 41 min
